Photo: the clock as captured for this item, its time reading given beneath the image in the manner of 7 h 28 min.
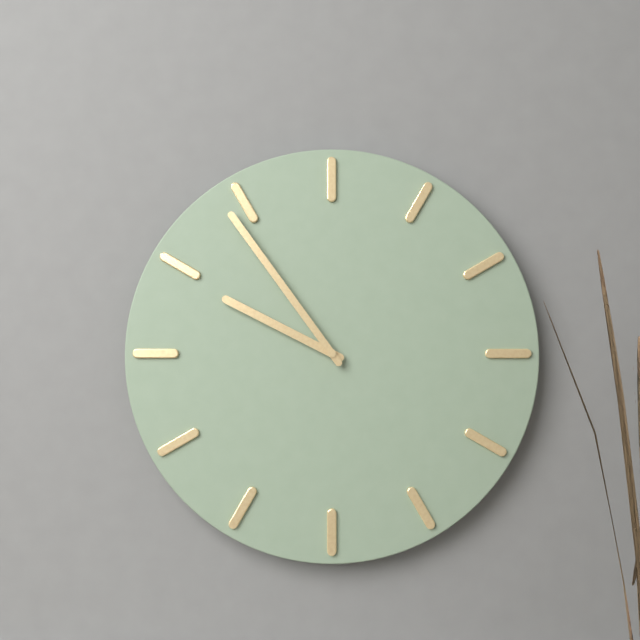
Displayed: 9 h 54 min
